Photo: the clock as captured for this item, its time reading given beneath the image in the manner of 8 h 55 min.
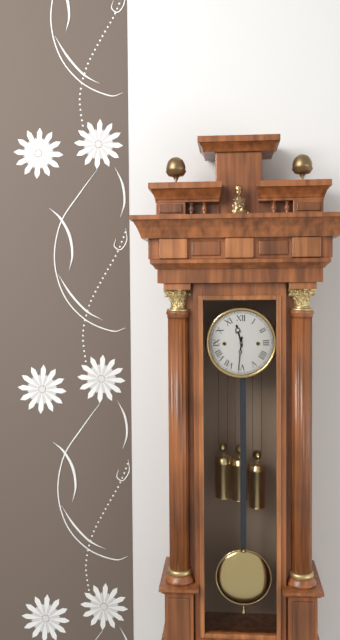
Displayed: 11 h 31 min
